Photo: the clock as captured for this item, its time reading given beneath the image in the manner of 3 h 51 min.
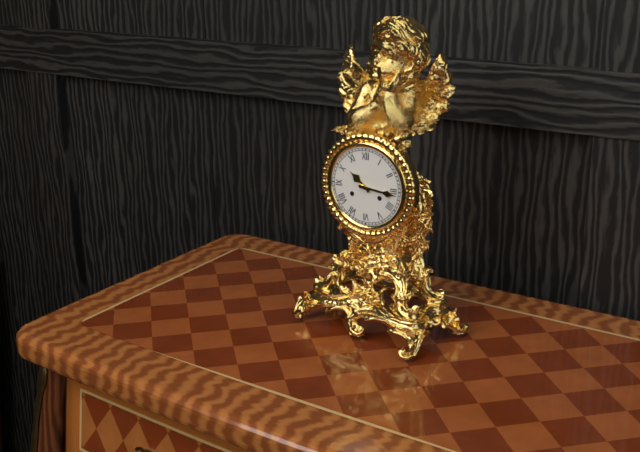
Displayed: 10 h 16 min
